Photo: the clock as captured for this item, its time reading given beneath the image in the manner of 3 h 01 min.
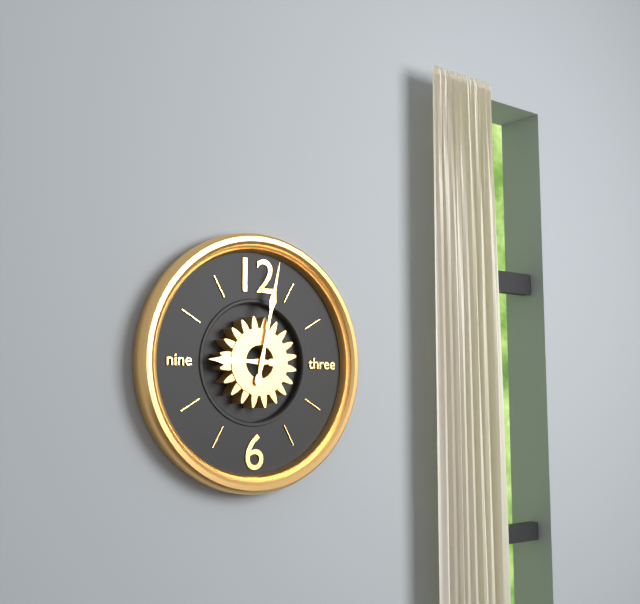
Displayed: 9 h 02 min
